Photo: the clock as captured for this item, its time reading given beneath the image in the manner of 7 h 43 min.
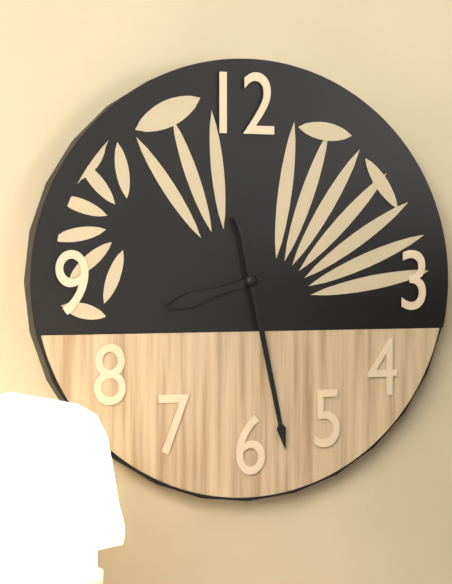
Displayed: 8 h 28 min
